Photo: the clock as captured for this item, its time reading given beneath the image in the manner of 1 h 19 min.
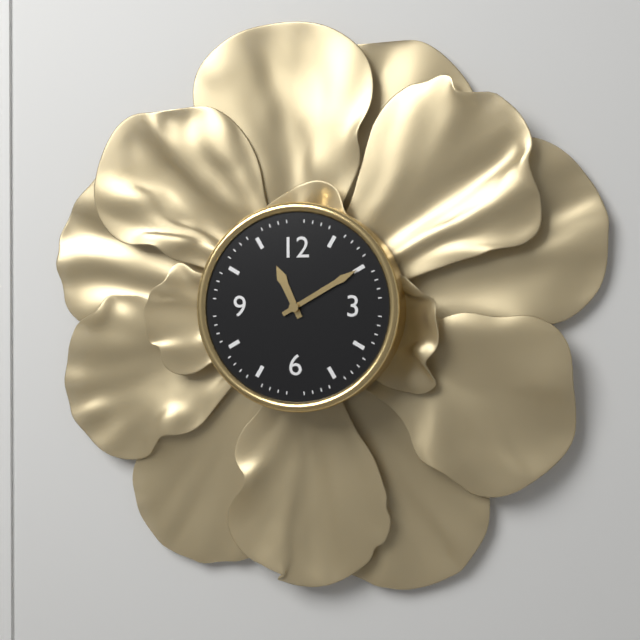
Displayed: 11 h 10 min
